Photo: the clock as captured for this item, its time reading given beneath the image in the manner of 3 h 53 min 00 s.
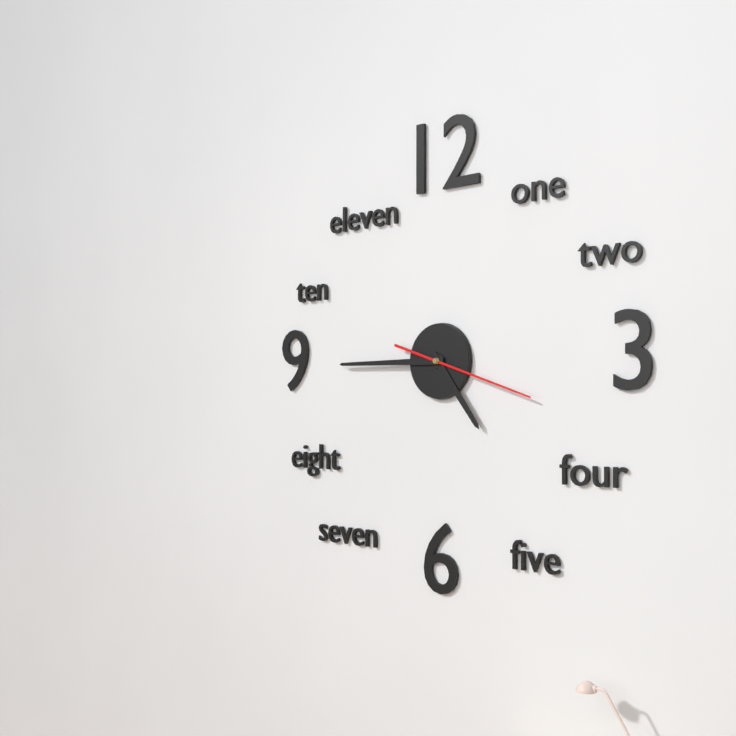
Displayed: 4 h 45 min 18 s
